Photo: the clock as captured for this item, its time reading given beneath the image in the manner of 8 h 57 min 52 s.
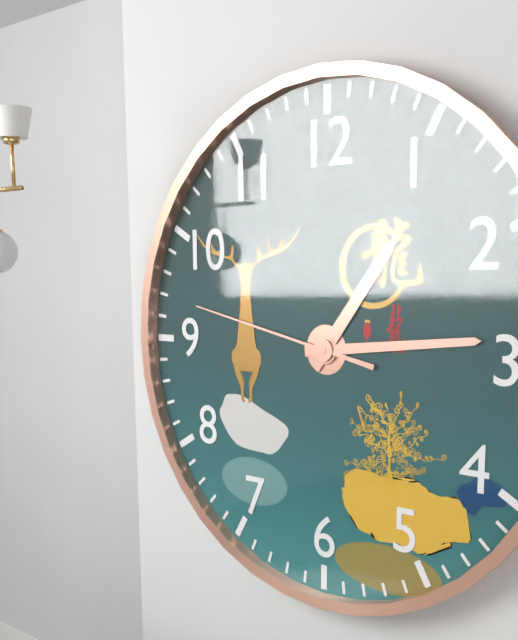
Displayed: 1 h 14 min 47 s
